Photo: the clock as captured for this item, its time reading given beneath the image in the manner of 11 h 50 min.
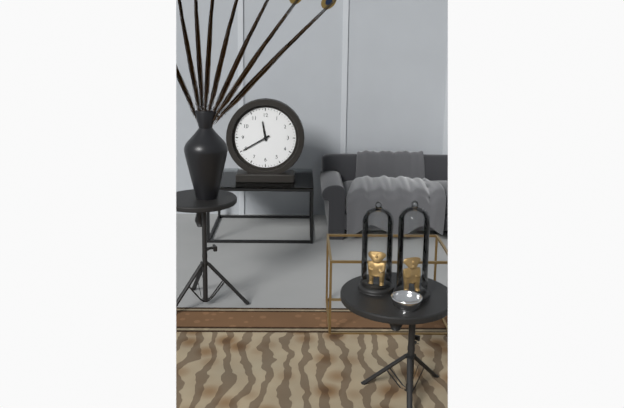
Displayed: 11 h 40 min
